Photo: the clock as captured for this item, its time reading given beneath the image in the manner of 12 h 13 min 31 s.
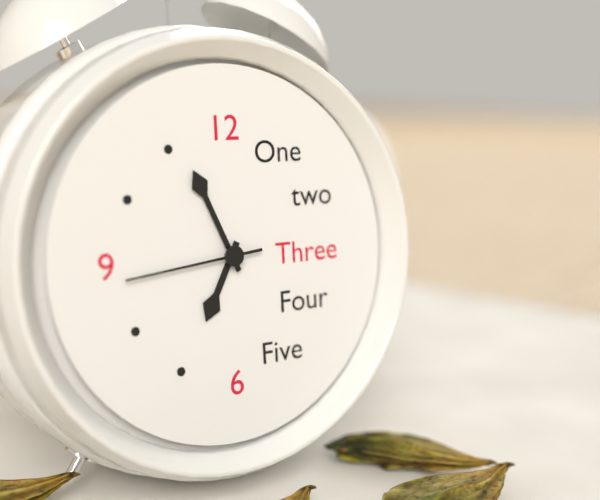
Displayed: 6 h 56 min 44 s
